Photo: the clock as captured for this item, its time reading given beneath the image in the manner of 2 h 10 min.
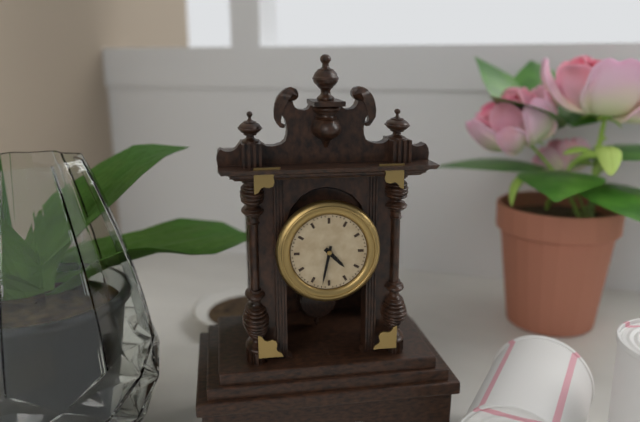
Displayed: 4 h 32 min
